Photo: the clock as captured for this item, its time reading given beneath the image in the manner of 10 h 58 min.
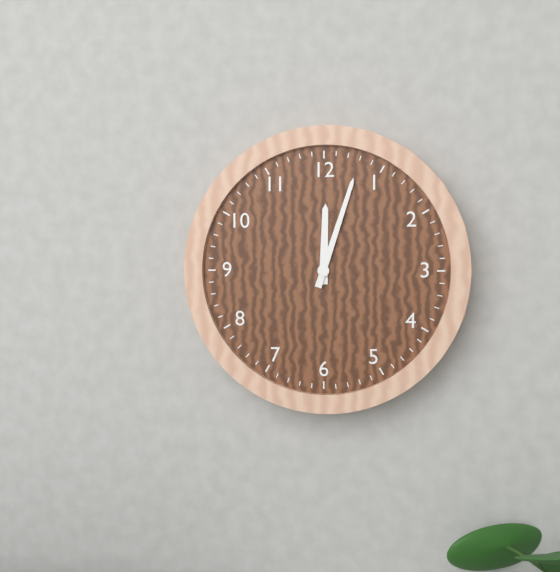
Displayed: 12 h 03 min
